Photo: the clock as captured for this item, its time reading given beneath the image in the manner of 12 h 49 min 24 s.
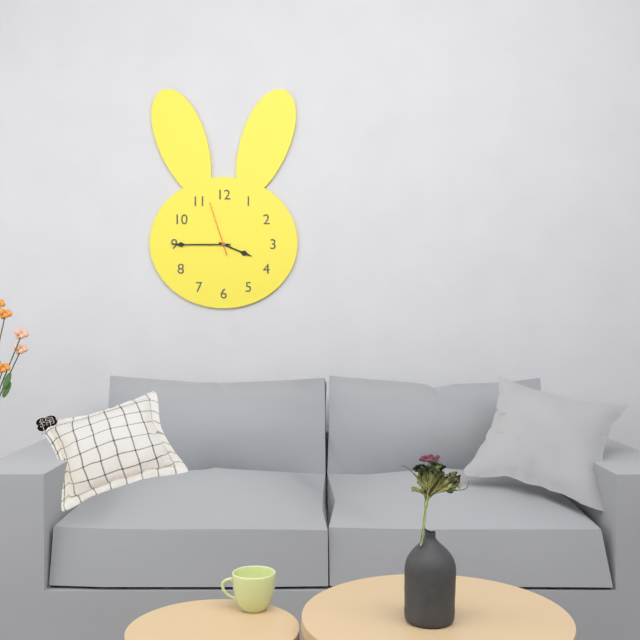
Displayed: 3 h 45 min 57 s
